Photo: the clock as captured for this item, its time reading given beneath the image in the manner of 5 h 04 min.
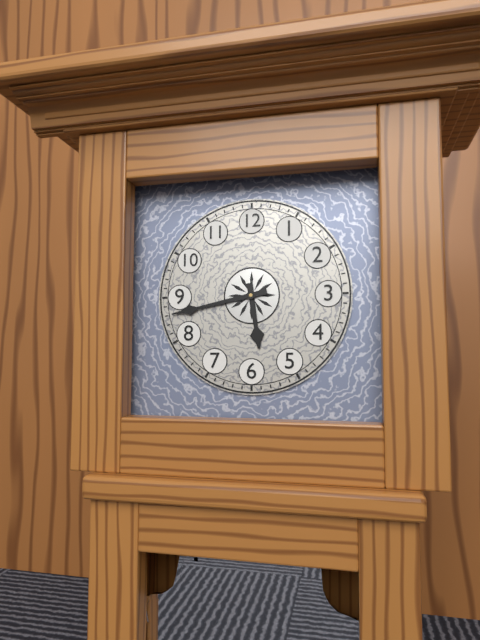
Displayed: 5 h 43 min
